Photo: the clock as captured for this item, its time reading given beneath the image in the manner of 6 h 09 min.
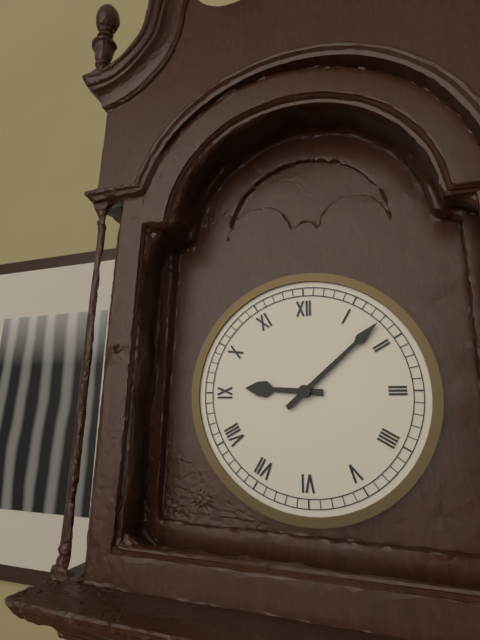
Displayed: 9 h 08 min
